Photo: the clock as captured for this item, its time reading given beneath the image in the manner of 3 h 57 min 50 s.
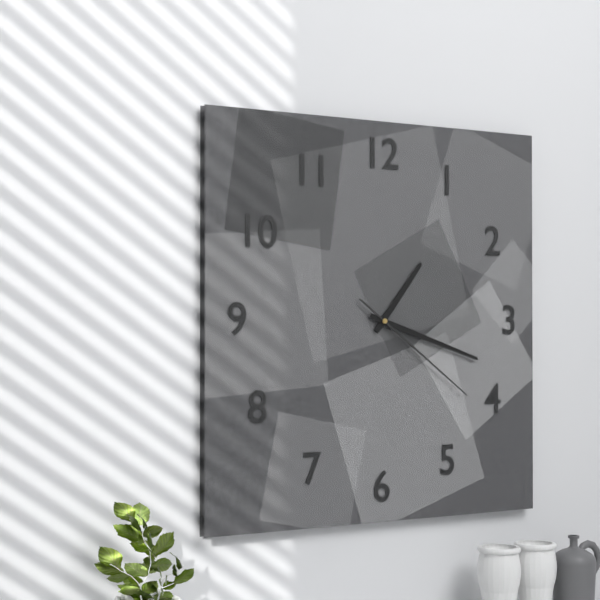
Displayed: 1 h 18 min 21 s
